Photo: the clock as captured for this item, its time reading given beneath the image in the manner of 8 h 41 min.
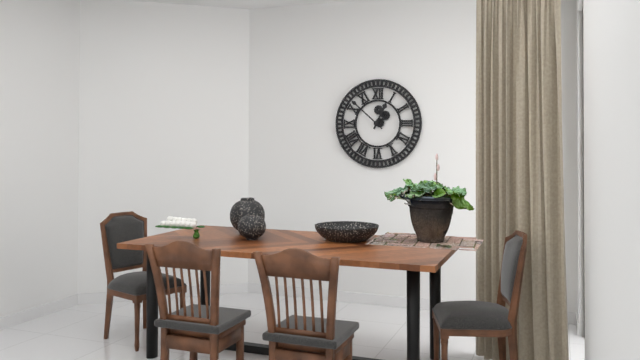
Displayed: 12 h 52 min
